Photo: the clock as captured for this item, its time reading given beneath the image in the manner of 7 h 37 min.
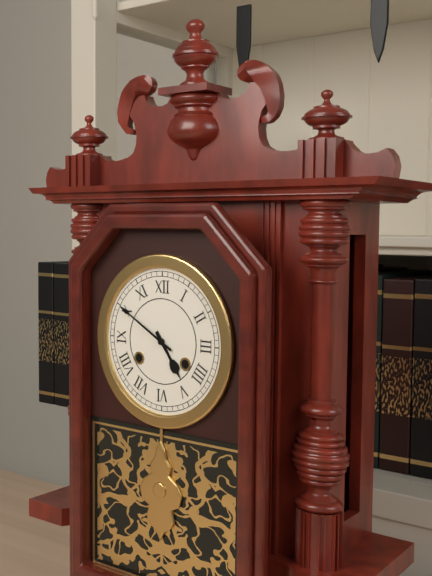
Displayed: 4 h 50 min
